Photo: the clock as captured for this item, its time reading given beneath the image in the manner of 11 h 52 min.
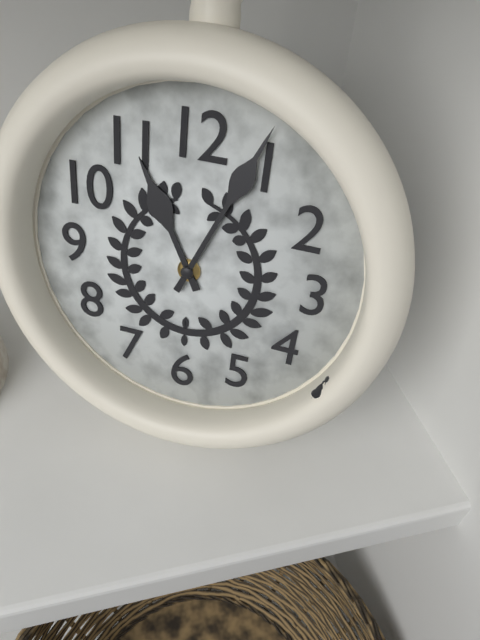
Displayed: 11 h 04 min
